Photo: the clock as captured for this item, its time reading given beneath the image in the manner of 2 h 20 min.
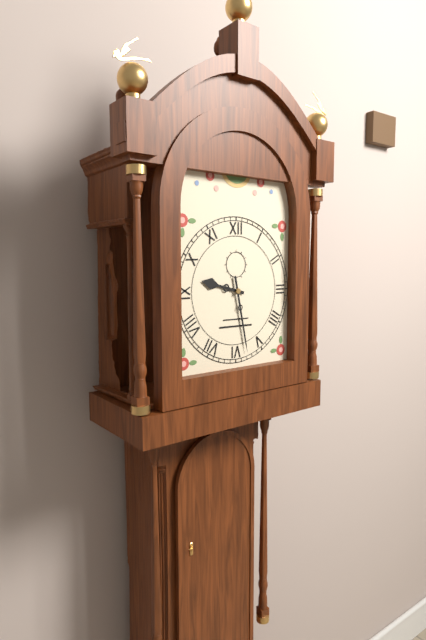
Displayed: 9 h 28 min
